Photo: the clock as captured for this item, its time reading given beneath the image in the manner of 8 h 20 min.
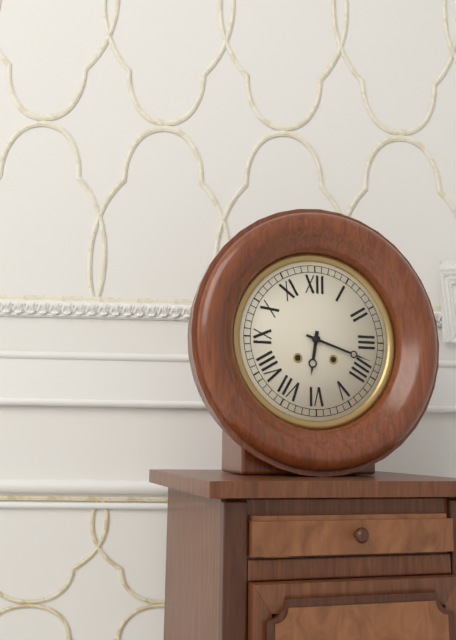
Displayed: 6 h 18 min
